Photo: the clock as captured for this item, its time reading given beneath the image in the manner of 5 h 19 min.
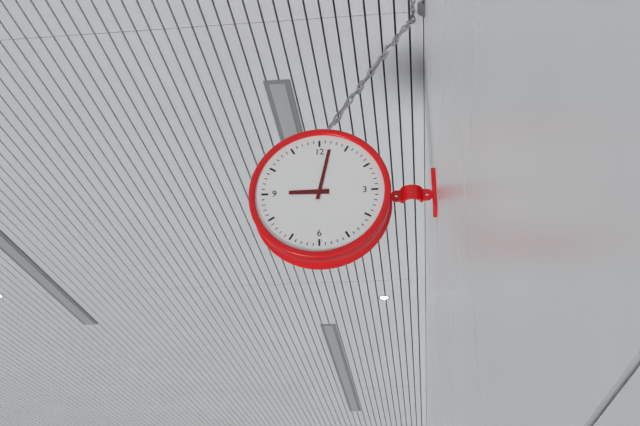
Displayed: 9 h 02 min
